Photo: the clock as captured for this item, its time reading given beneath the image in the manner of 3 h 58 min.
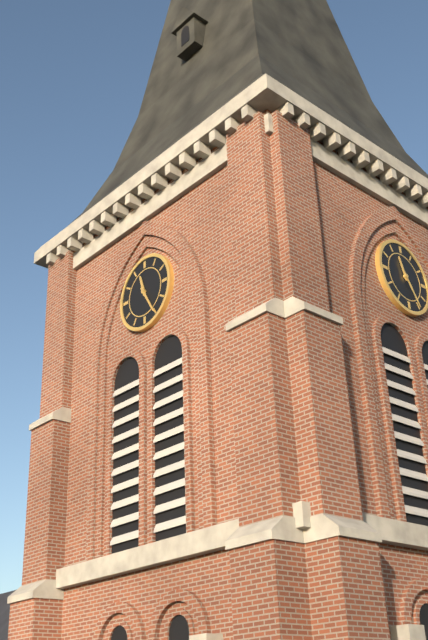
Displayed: 11 h 25 min
